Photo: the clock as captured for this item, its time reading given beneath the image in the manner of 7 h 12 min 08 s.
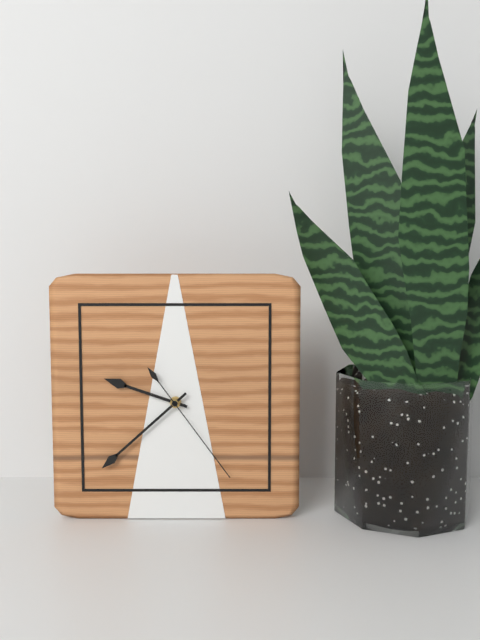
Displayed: 9 h 38 min 24 s
